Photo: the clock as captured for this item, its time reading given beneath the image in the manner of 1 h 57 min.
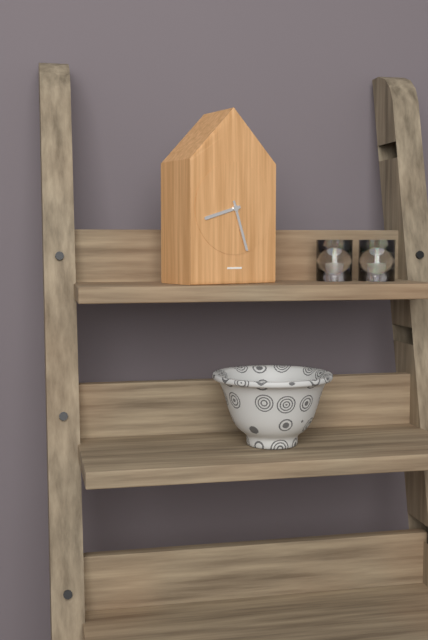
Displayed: 8 h 27 min
